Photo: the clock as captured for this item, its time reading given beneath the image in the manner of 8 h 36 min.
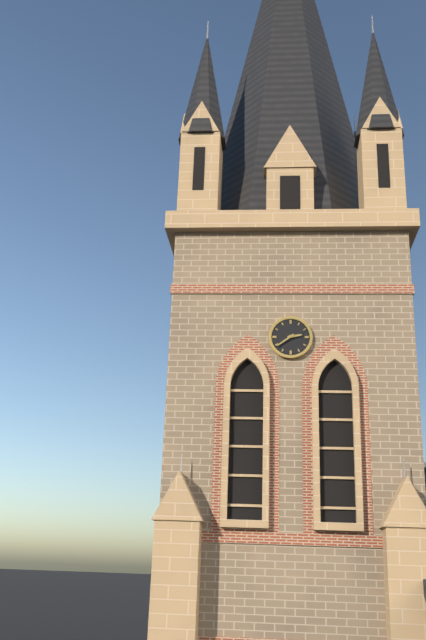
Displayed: 2 h 39 min
